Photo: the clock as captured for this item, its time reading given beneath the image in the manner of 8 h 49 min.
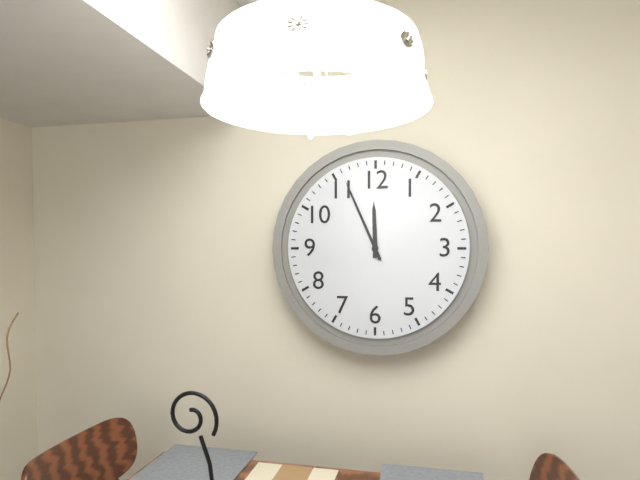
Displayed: 11 h 56 min
